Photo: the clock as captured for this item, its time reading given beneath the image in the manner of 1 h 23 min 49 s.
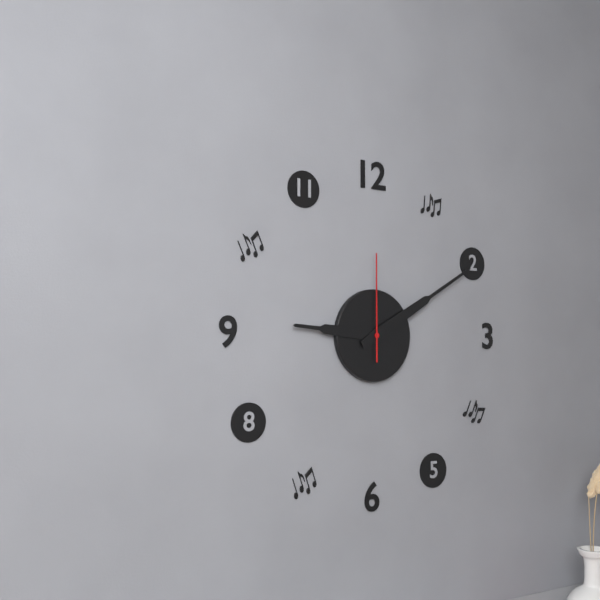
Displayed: 9 h 10 min 00 s
